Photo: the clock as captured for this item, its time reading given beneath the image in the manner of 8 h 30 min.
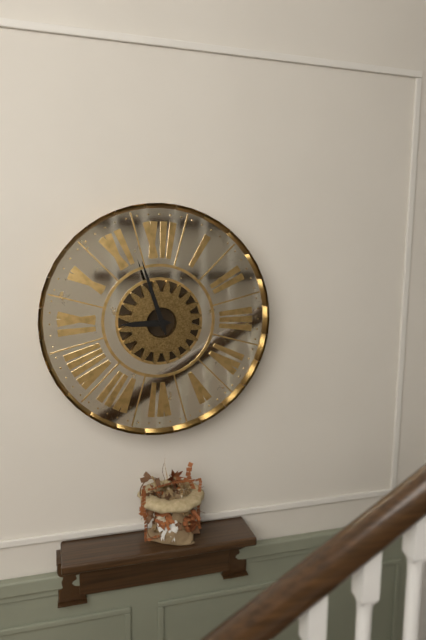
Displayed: 8 h 57 min
